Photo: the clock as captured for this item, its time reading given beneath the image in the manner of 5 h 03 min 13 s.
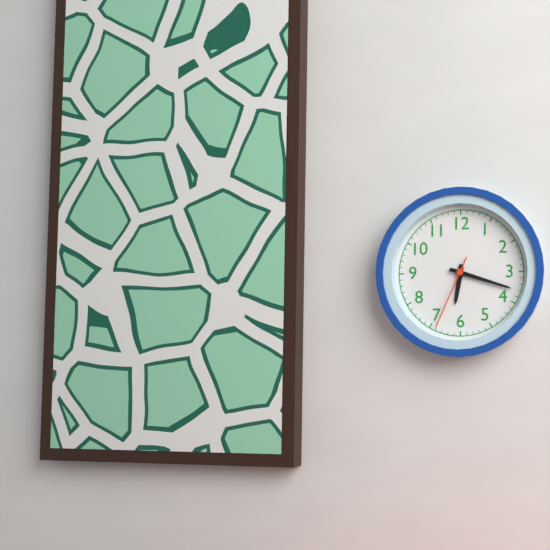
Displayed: 6 h 18 min 34 s
